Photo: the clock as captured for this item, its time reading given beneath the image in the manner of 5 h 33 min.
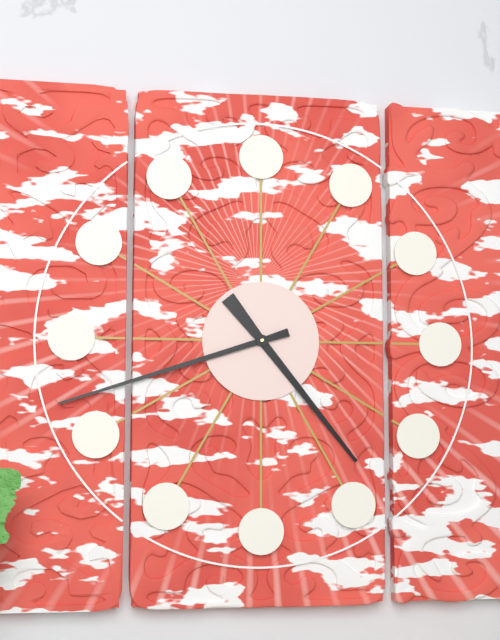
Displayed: 4 h 42 min
